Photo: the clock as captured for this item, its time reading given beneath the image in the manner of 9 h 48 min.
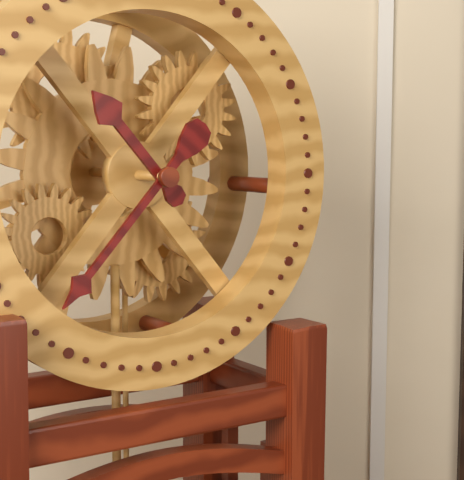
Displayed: 10 h 37 min
